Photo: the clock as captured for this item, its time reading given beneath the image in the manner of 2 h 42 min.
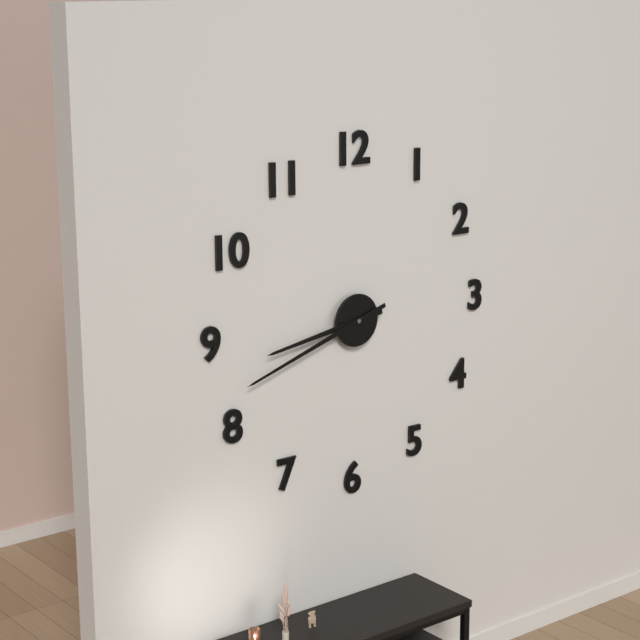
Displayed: 8 h 42 min
